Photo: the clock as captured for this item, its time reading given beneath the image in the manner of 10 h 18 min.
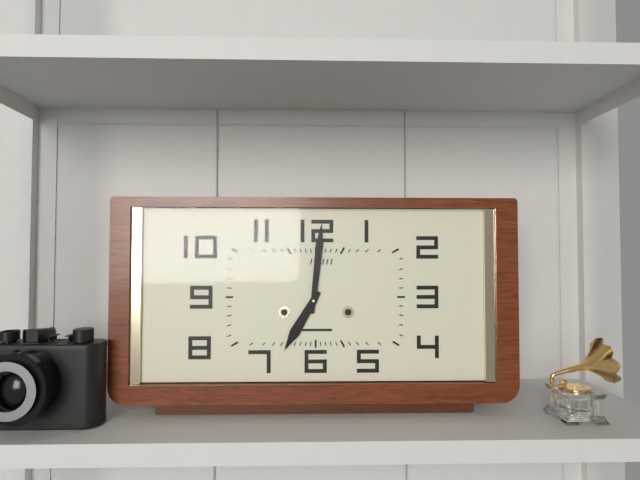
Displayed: 7 h 01 min
